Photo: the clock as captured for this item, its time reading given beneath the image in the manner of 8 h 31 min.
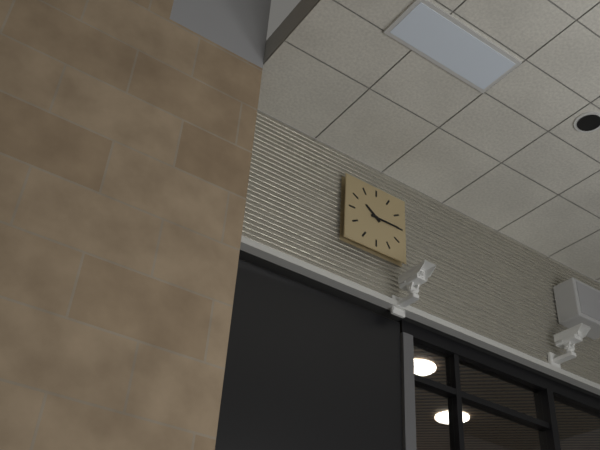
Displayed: 10 h 15 min
